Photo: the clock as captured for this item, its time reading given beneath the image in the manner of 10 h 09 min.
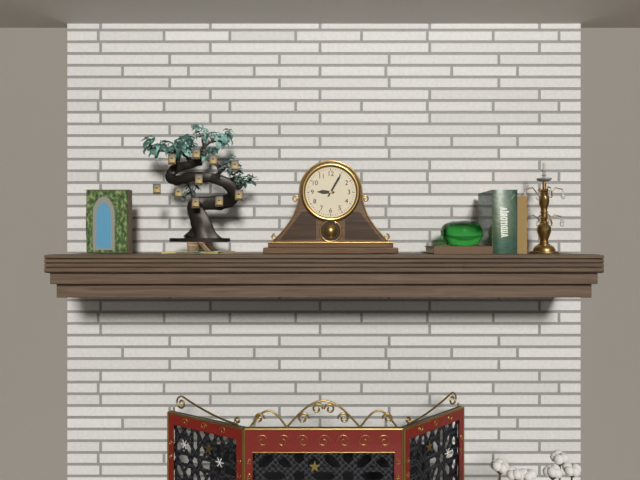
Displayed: 9 h 05 min
